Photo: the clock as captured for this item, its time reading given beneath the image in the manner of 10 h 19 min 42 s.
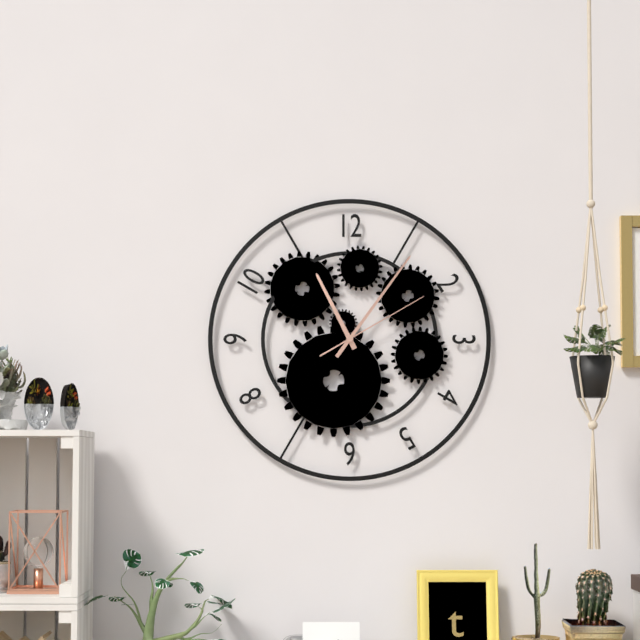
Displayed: 11 h 06 min 10 s
